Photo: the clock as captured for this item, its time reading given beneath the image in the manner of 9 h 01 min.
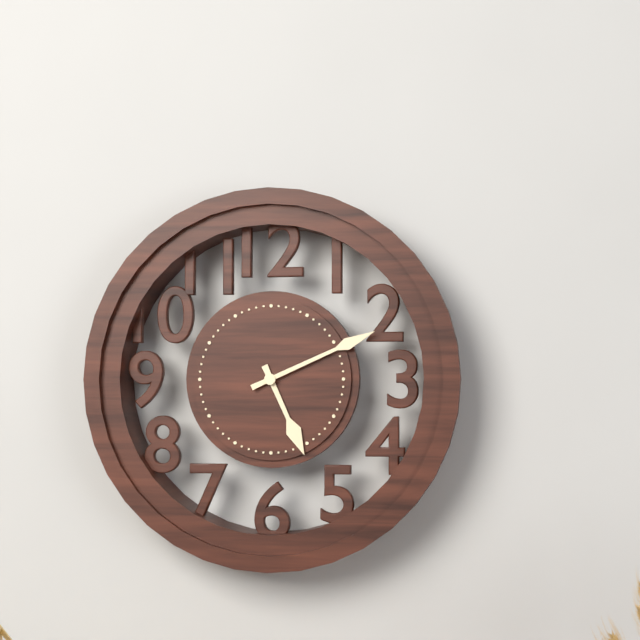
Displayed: 5 h 11 min
